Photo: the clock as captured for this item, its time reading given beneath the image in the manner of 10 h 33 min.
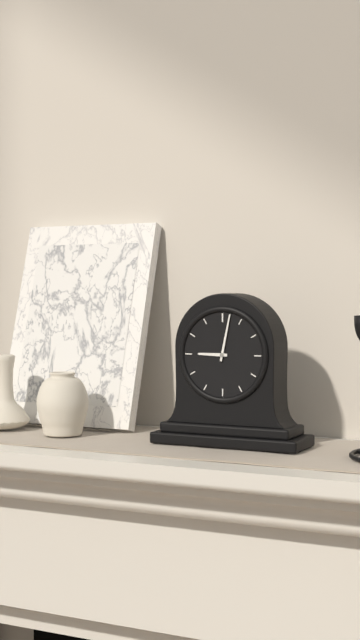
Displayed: 9 h 02 min
